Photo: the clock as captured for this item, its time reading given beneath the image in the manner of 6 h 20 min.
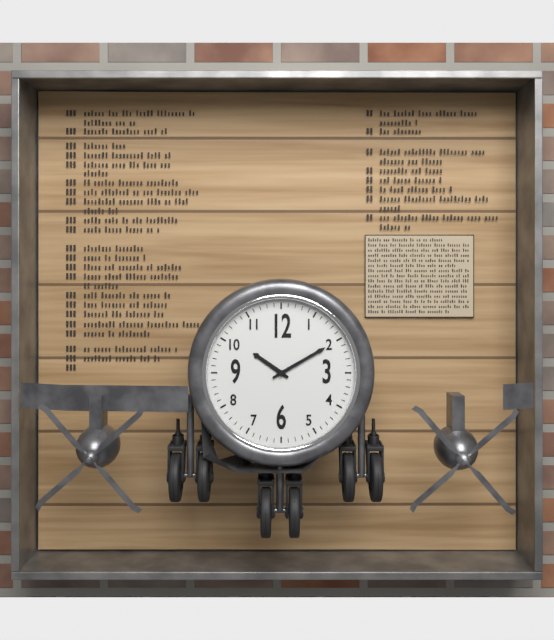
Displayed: 10 h 10 min
